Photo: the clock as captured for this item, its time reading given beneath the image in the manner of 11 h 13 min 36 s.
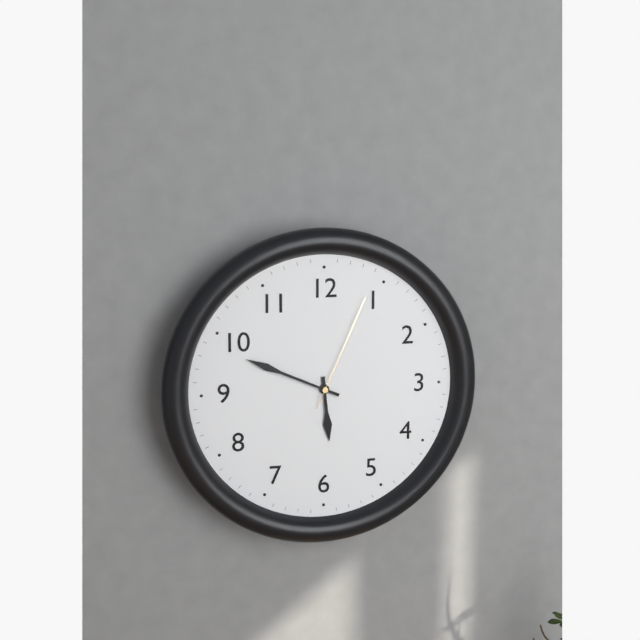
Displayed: 5 h 49 min 04 s
